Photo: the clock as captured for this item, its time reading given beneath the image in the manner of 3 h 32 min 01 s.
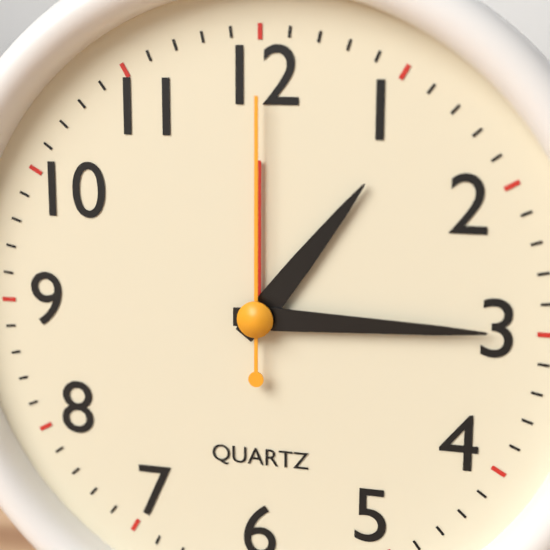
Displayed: 1 h 15 min 00 s
